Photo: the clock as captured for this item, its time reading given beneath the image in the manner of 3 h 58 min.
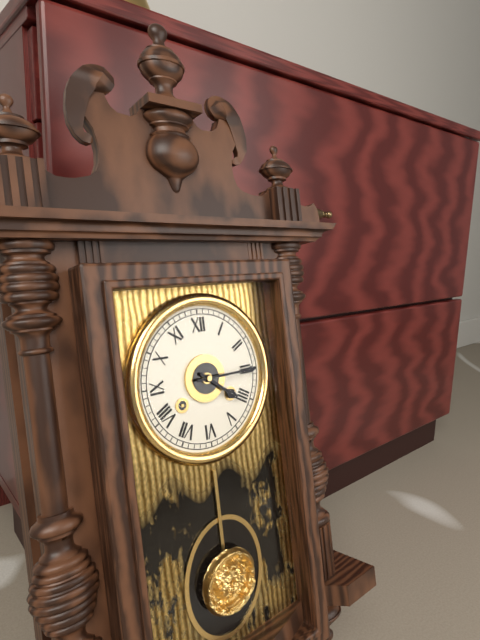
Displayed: 4 h 15 min
